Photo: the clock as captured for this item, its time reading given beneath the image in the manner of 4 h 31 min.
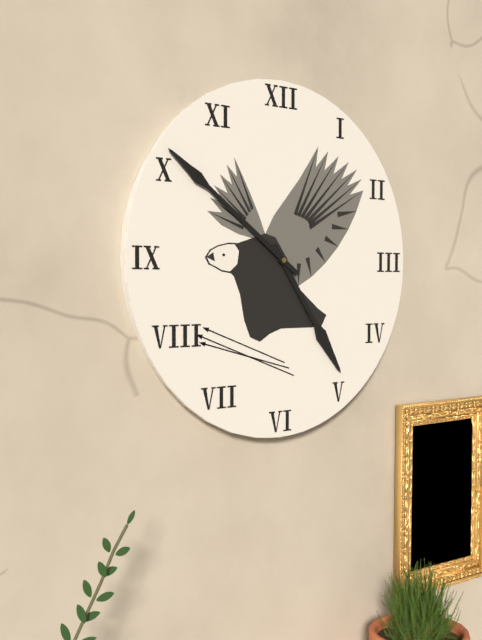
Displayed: 4 h 51 min
